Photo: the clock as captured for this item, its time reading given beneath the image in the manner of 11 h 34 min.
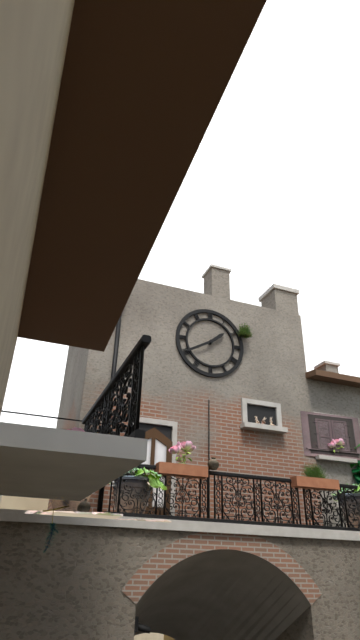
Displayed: 1 h 40 min
